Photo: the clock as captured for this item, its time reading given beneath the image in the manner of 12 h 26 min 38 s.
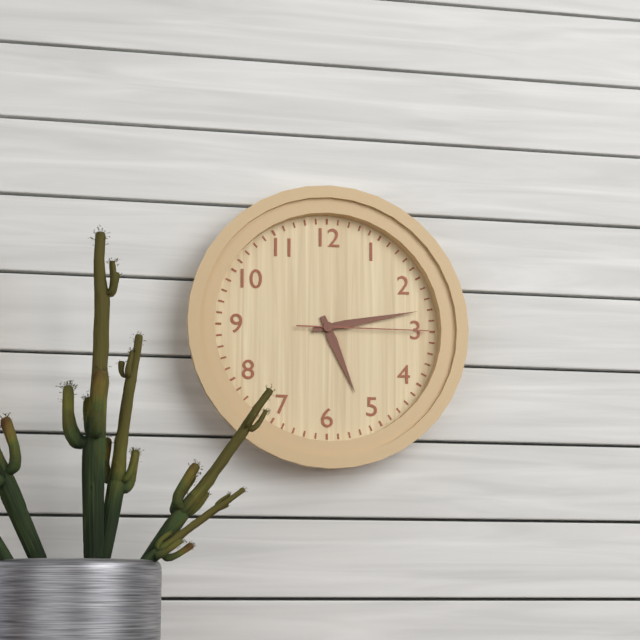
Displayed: 5 h 13 min 15 s
